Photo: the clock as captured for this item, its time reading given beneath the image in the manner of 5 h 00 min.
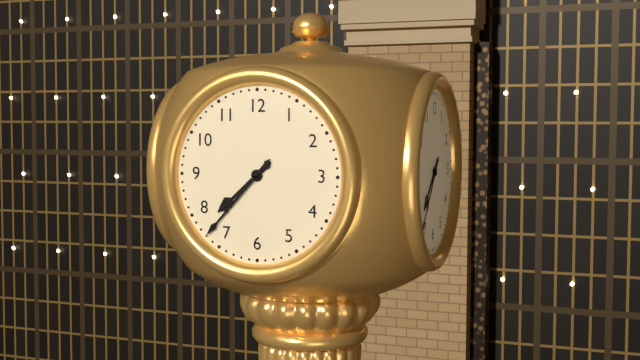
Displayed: 7 h 37 min
